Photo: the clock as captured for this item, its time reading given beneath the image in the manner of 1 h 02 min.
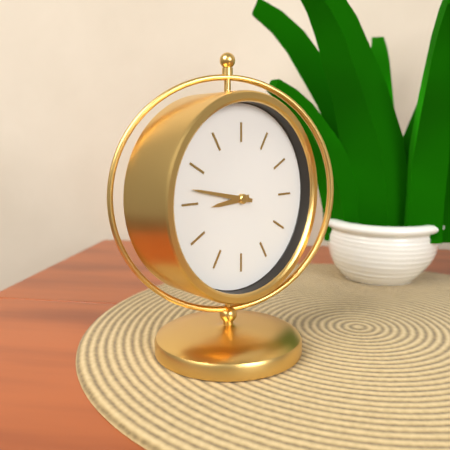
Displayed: 8 h 47 min
